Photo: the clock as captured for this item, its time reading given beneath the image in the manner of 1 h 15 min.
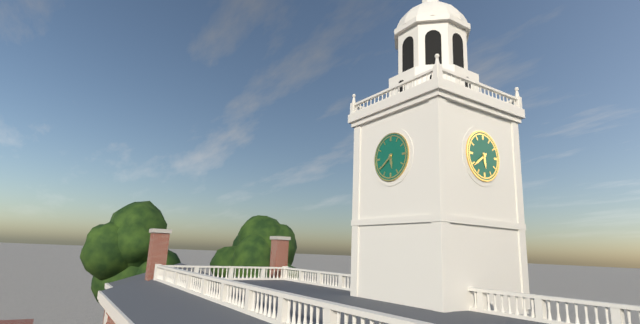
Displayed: 5 h 39 min
